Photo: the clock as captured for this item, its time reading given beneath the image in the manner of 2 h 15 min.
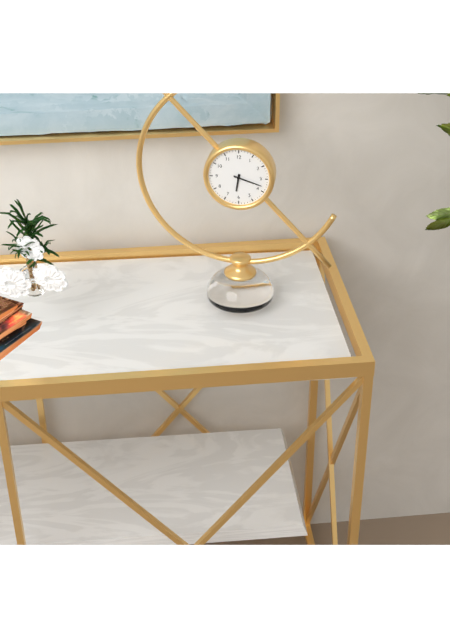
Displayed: 6 h 18 min
